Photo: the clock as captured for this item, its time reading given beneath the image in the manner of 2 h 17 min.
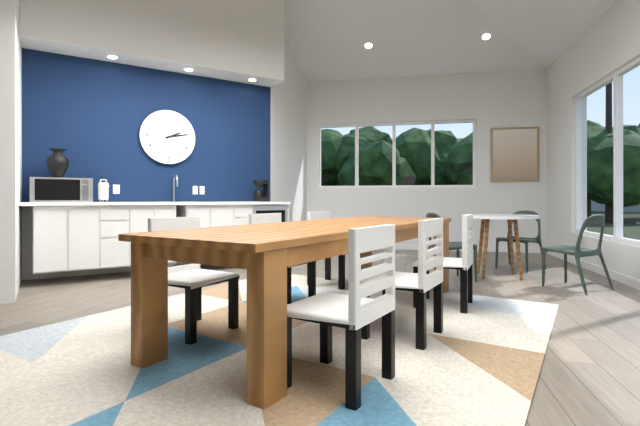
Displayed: 2 h 13 min
